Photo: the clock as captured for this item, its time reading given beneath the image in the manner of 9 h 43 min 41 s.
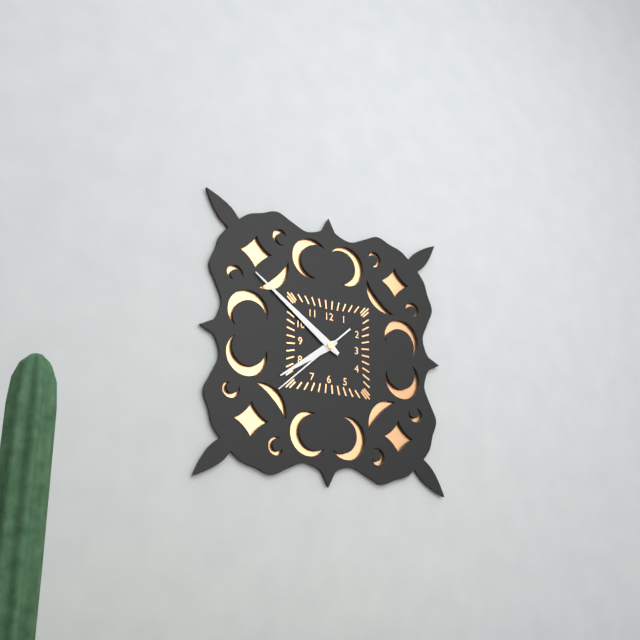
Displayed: 7 h 51 min 38 s
